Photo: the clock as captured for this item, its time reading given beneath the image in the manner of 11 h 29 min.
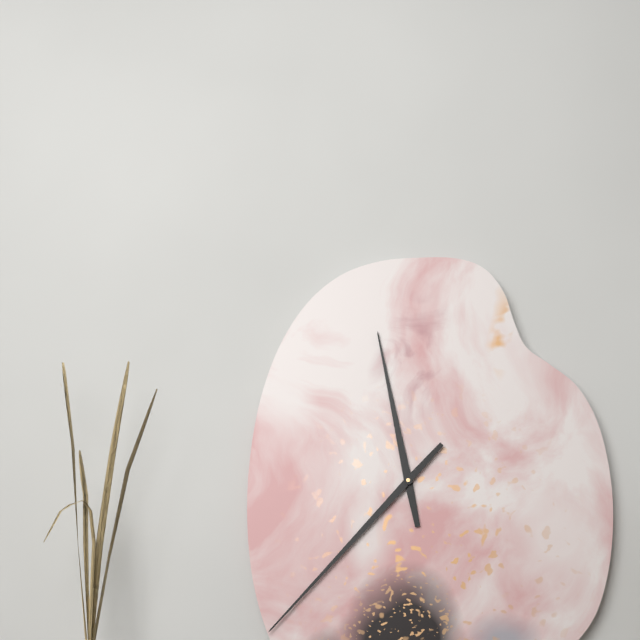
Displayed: 11 h 37 min
